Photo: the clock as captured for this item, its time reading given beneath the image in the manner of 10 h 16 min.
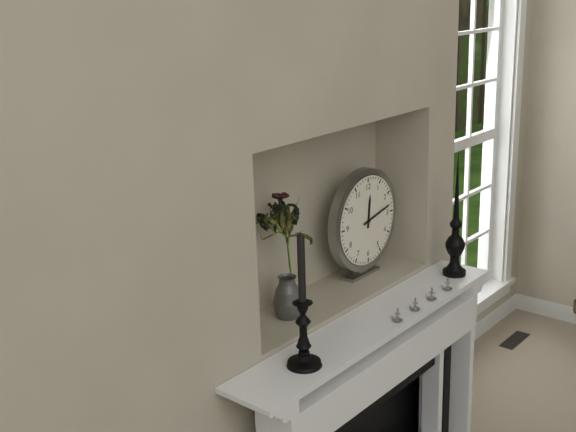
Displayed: 12 h 13 min
